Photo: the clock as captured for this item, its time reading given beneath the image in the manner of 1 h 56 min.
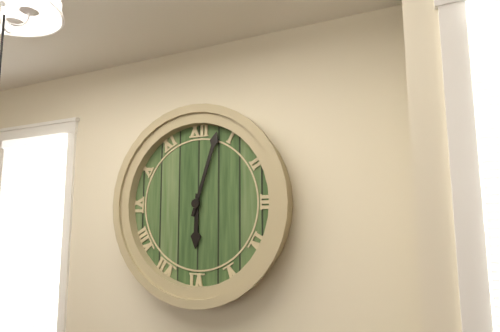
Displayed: 6 h 03 min
